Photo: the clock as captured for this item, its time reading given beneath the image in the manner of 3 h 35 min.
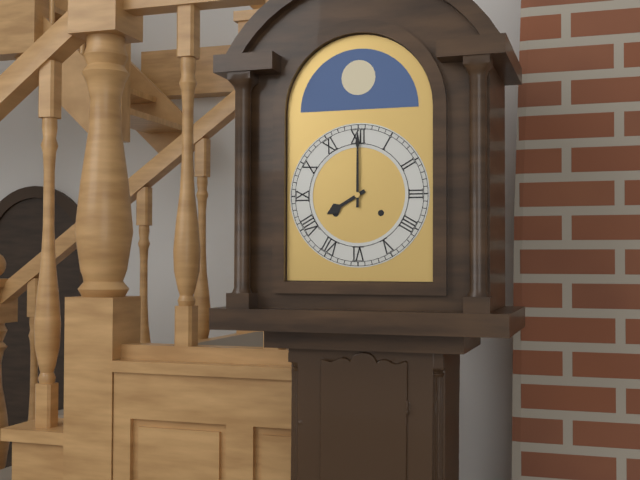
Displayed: 8 h 00 min
